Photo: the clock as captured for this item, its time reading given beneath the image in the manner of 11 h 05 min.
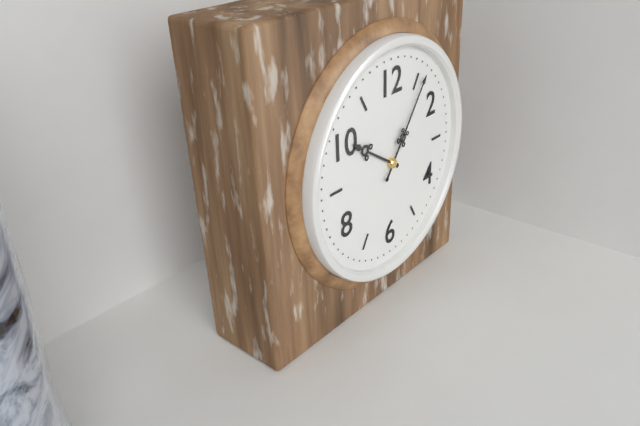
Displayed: 10 h 06 min
